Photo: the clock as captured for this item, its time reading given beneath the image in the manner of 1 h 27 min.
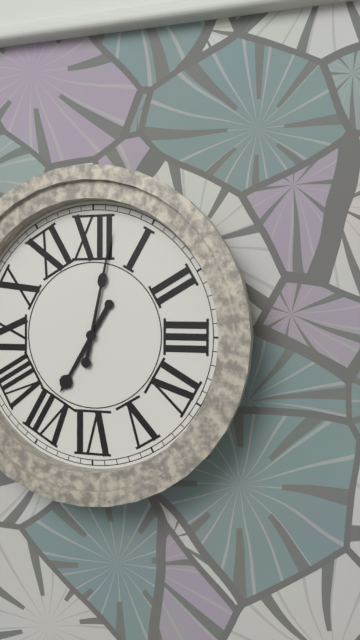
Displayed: 7 h 02 min
